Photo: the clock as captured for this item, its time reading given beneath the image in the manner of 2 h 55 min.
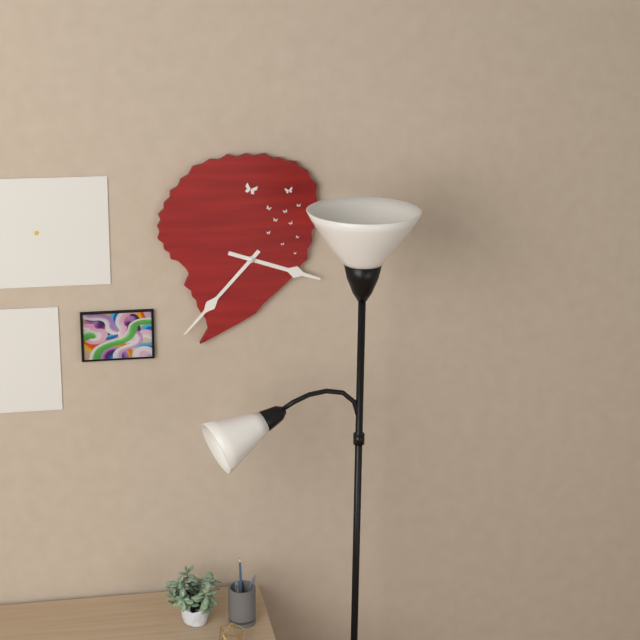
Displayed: 3 h 37 min
